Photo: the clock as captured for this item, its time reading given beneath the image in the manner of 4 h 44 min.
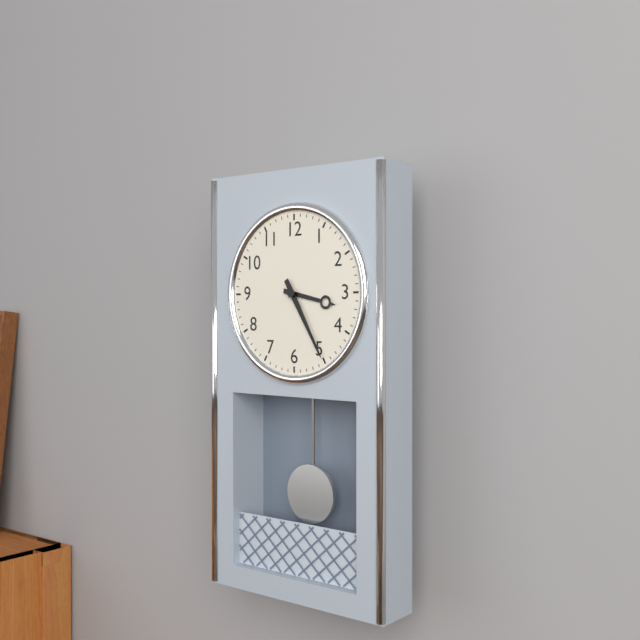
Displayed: 3 h 25 min
